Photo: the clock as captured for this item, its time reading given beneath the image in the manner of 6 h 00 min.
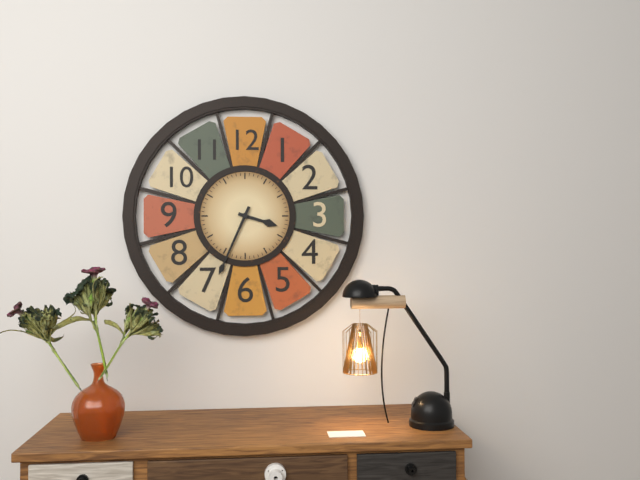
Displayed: 3 h 34 min
